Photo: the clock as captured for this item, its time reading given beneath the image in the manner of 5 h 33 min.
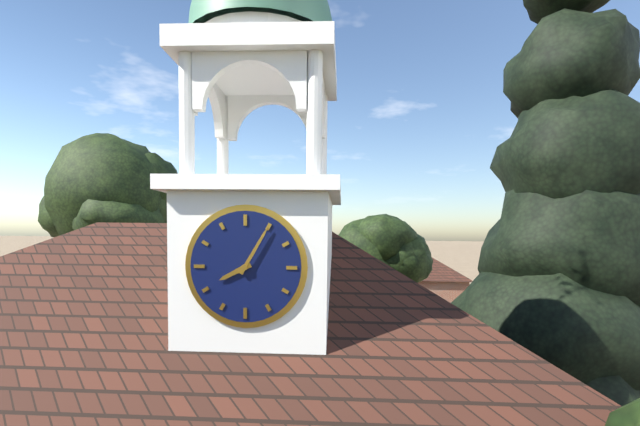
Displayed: 8 h 05 min
